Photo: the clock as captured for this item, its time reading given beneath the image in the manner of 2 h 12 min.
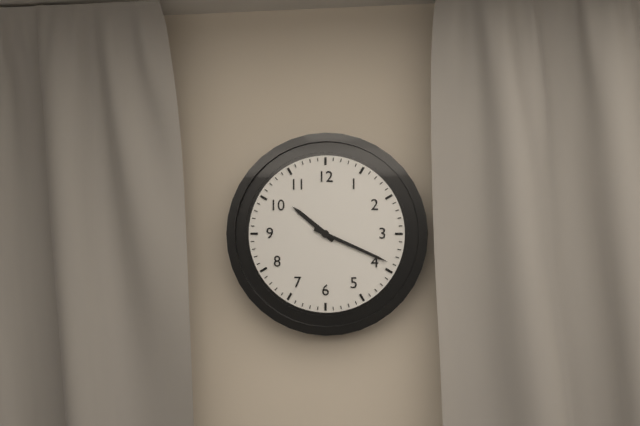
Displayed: 10 h 19 min
